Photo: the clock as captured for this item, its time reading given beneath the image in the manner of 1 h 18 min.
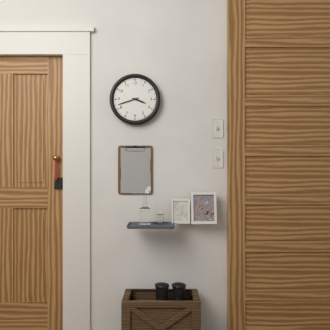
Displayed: 3 h 42 min
